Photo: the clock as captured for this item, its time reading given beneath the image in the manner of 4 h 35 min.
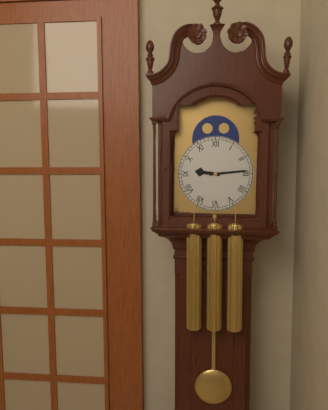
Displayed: 9 h 14 min
